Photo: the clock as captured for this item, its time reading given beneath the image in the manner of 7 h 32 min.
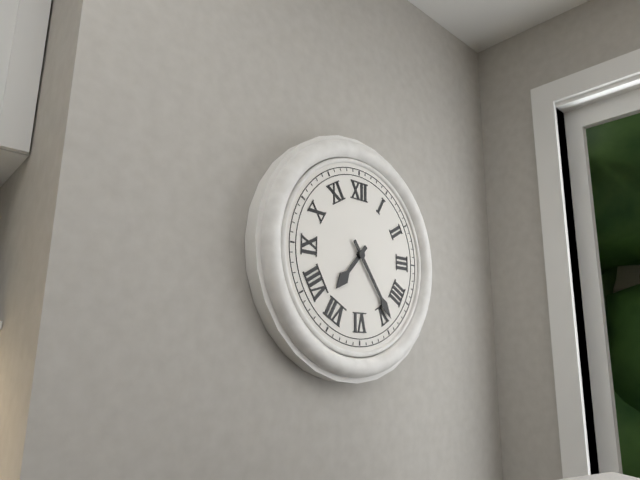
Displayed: 7 h 24 min
